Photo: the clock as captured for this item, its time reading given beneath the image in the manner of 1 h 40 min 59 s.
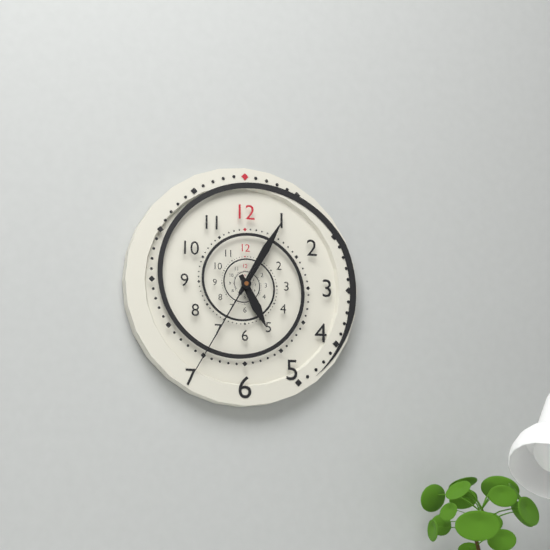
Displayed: 5 h 05 min 35 s
